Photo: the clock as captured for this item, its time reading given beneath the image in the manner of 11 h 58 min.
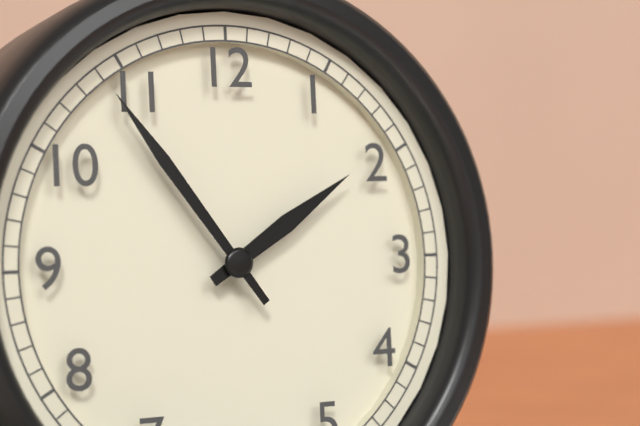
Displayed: 1 h 54 min
